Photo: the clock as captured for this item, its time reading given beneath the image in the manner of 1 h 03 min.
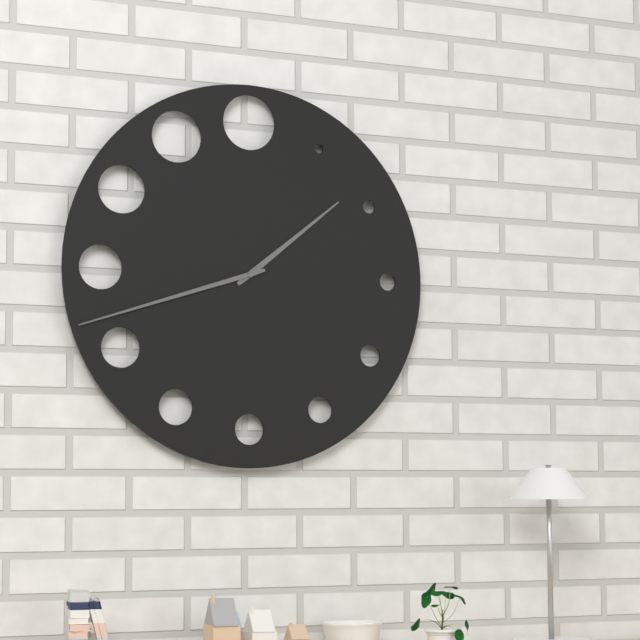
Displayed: 1 h 42 min
